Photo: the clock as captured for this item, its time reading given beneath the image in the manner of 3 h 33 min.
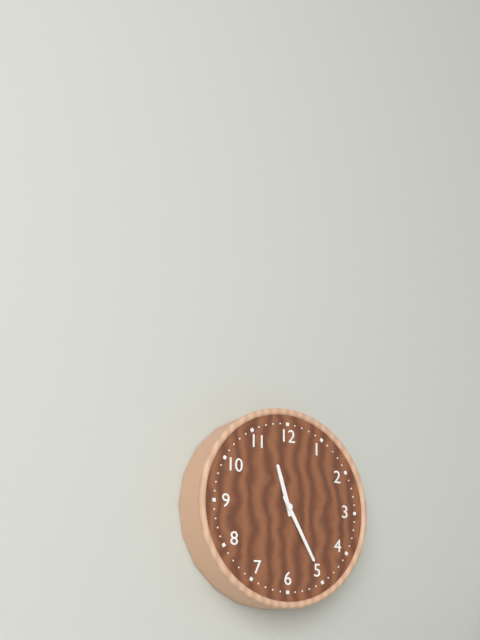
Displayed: 11 h 25 min
